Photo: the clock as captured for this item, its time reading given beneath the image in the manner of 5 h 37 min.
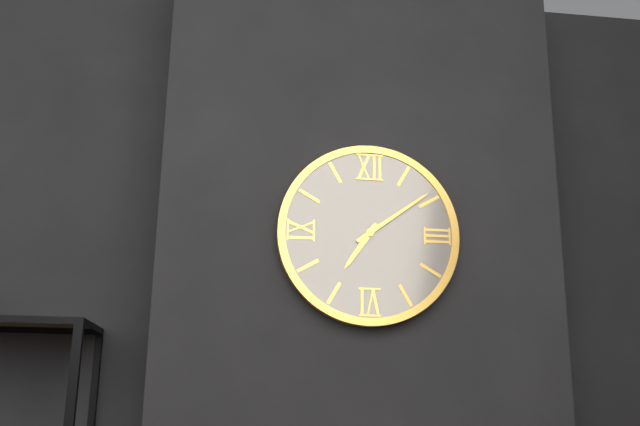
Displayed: 7 h 09 min
